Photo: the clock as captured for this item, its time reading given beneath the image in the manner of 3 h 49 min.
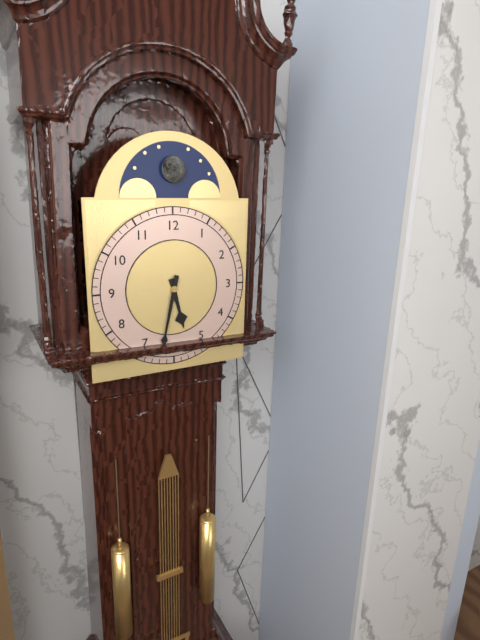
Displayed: 5 h 32 min
